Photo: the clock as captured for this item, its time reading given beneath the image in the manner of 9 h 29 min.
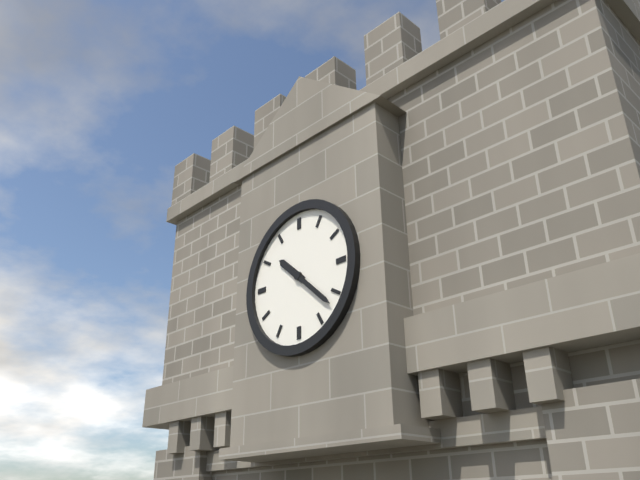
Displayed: 10 h 22 min
